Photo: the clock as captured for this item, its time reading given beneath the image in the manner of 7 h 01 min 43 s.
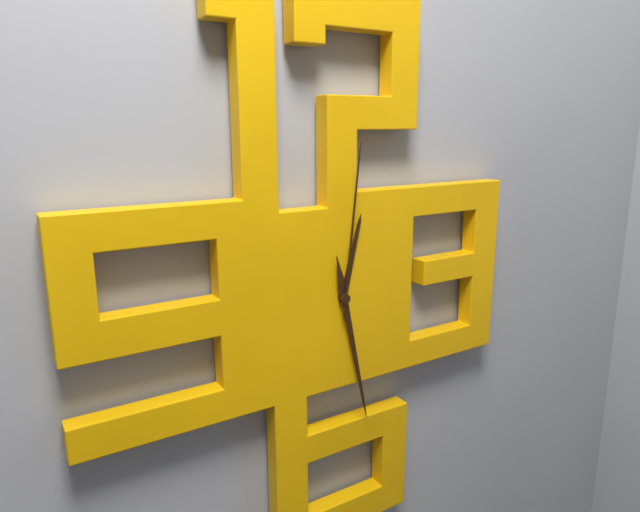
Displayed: 12 h 28 min 01 s
